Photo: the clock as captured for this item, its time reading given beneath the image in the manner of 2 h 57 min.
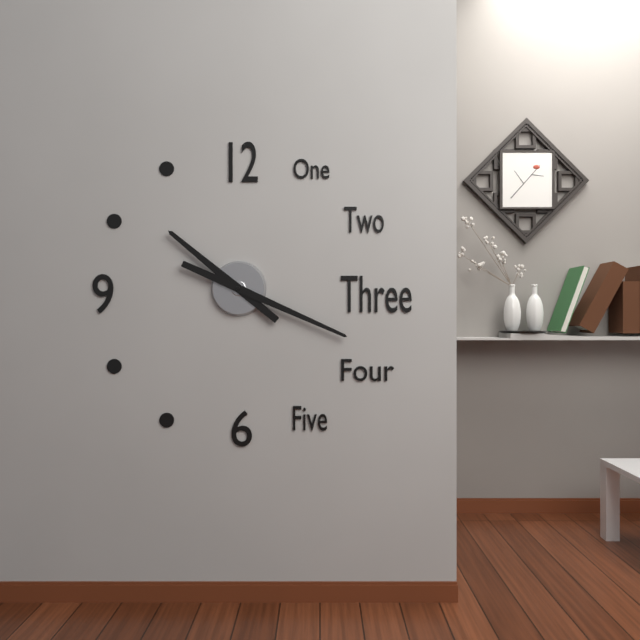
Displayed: 10 h 19 min
